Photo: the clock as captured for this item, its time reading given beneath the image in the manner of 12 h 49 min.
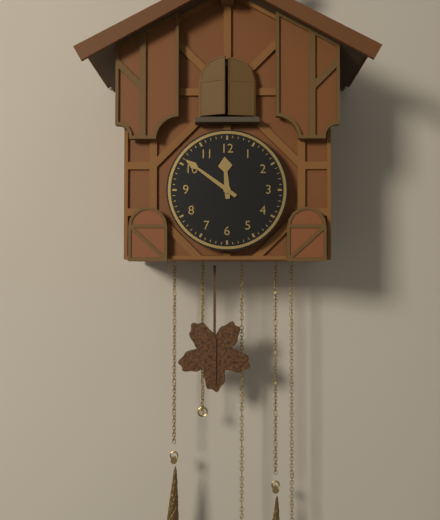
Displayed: 11 h 51 min
